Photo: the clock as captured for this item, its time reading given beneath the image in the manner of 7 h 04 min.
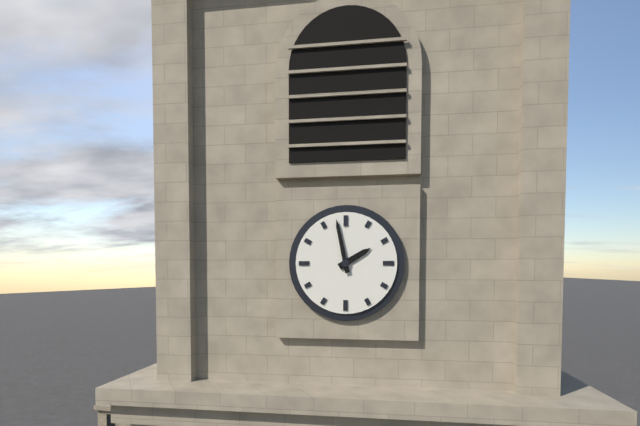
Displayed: 1 h 58 min
